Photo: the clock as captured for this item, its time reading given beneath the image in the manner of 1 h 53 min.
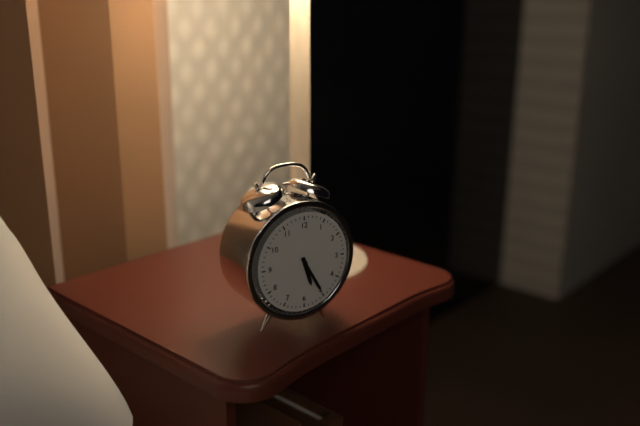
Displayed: 5 h 25 min
